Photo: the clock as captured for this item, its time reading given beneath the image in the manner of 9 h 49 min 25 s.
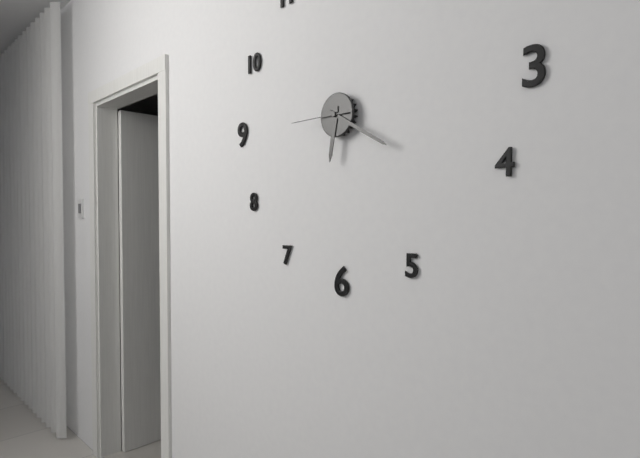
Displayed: 6 h 20 min 45 s
